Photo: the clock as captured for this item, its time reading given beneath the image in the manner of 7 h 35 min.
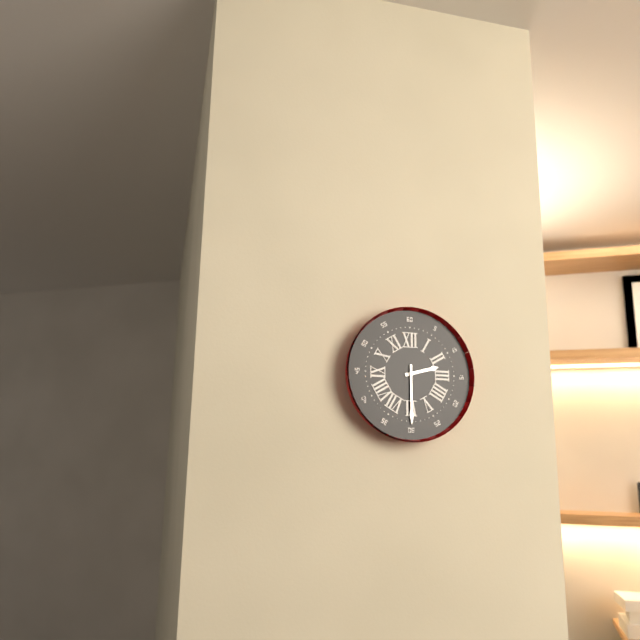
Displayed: 2 h 30 min
